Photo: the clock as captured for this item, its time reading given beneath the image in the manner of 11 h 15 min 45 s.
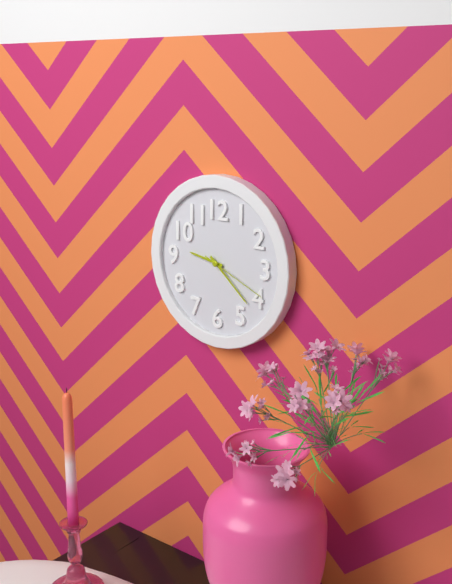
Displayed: 9 h 22 min 19 s
